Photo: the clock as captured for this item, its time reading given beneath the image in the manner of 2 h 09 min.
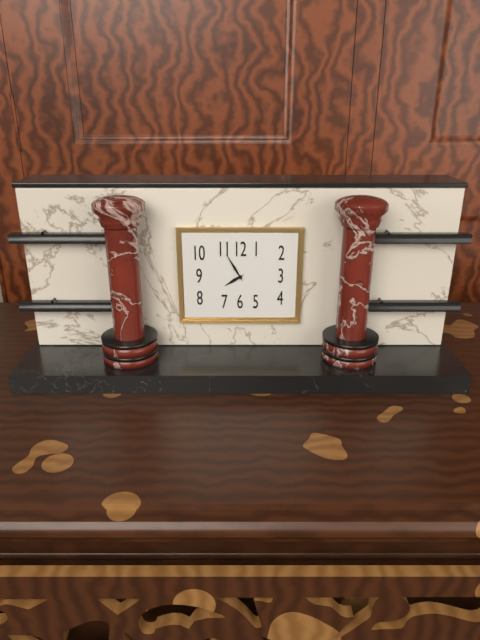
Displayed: 7 h 55 min
